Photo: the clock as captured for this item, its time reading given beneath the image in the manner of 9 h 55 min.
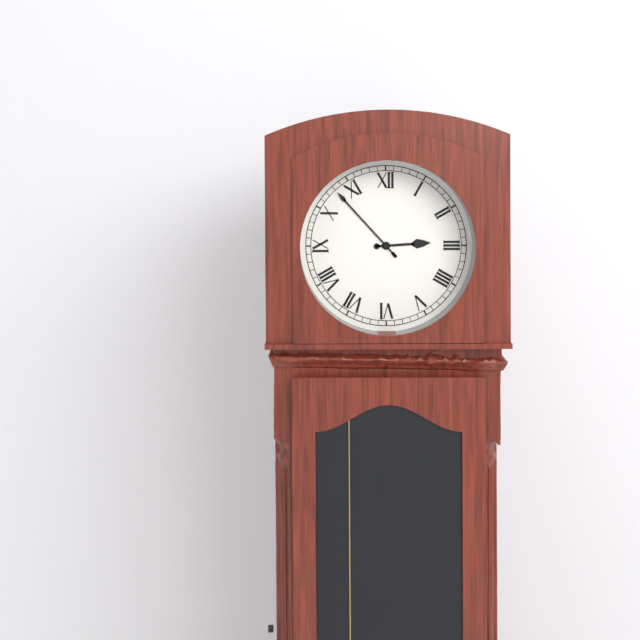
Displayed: 2 h 53 min
